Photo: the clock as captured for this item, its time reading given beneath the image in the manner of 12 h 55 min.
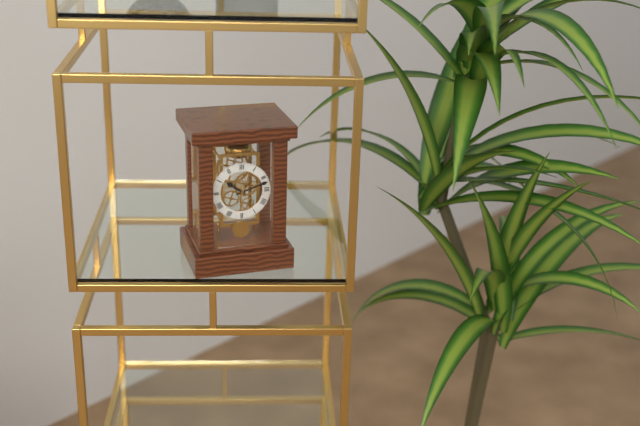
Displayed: 10 h 12 min
